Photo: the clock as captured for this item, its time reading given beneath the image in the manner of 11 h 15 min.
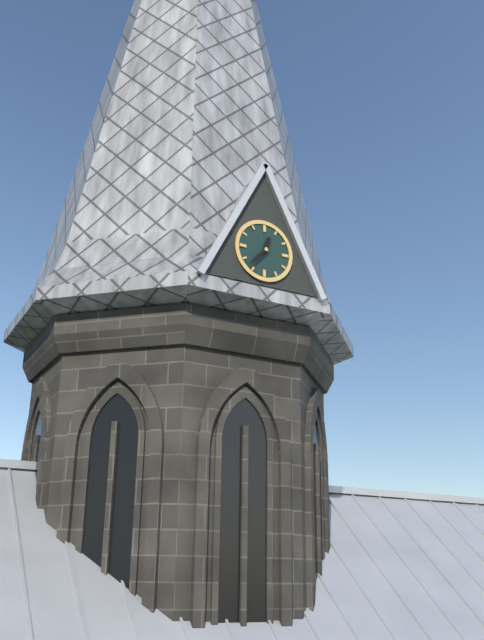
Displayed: 12 h 37 min
